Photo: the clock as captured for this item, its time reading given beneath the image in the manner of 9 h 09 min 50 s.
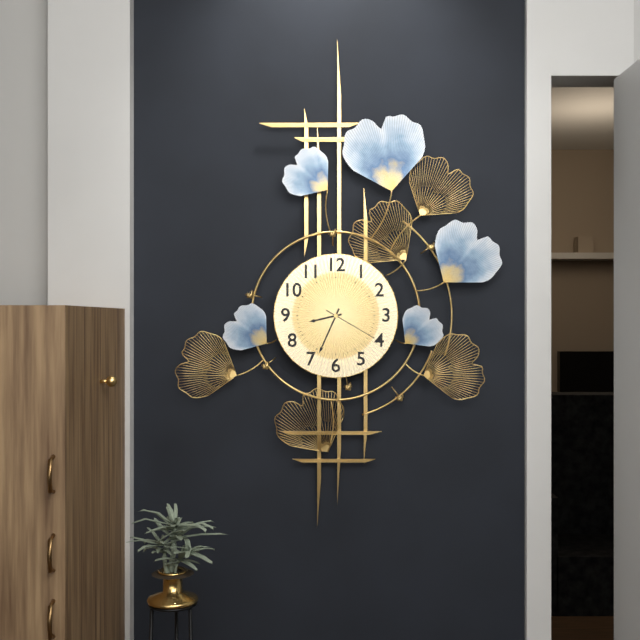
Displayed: 8 h 34 min 20 s
